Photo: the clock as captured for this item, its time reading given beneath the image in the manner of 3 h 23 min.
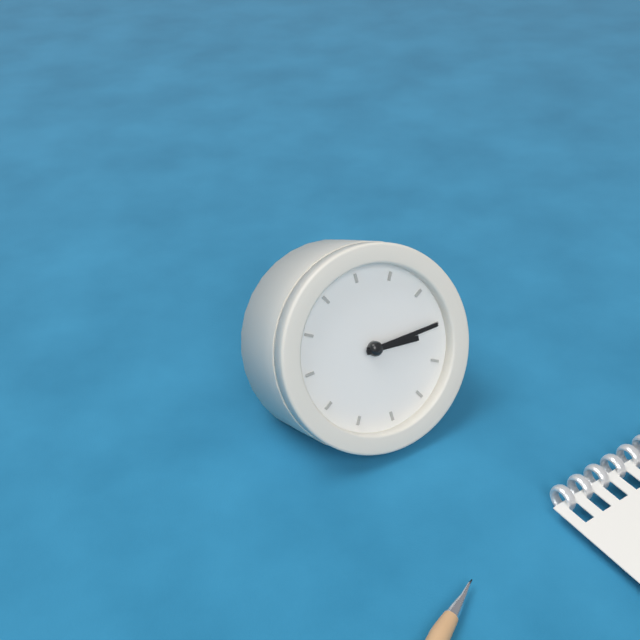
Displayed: 3 h 15 min
